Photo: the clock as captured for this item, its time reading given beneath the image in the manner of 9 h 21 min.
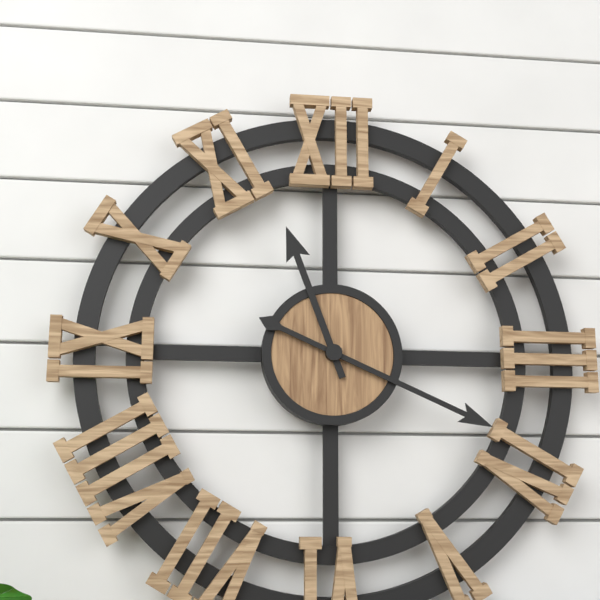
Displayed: 11 h 19 min
